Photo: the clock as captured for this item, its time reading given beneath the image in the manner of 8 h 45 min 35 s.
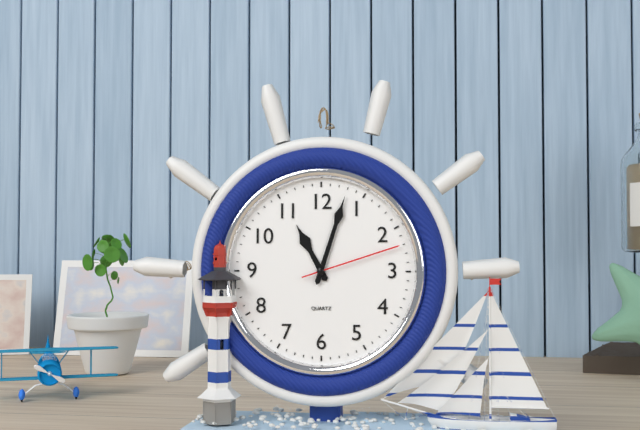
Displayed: 11 h 03 min 12 s
